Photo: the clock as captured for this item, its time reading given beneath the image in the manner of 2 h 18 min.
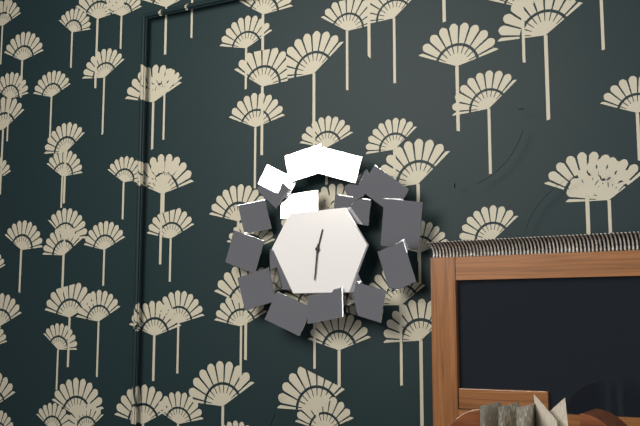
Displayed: 12 h 31 min
